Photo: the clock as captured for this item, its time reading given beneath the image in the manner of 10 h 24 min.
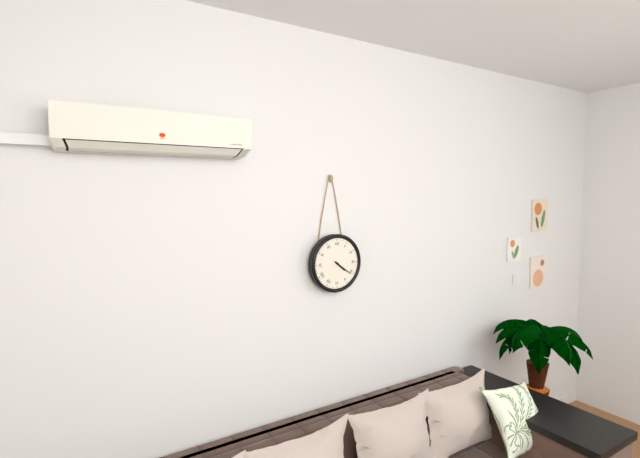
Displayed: 4 h 21 min
